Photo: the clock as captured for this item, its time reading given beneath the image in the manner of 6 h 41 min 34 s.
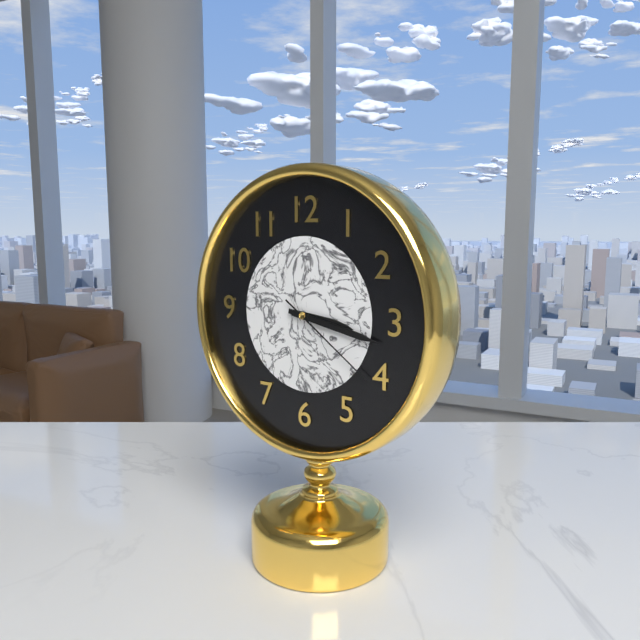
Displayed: 3 h 17 min 21 s
